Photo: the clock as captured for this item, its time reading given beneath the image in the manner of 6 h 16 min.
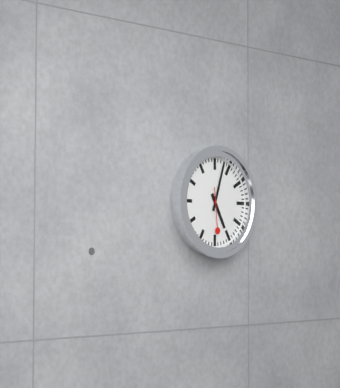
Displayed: 5 h 03 min
